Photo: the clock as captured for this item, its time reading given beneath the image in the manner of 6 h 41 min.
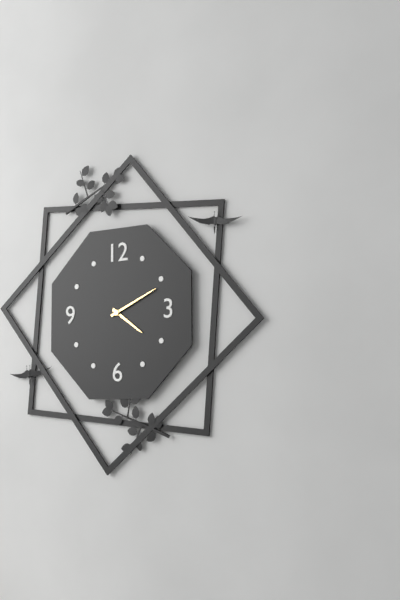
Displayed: 4 h 11 min
